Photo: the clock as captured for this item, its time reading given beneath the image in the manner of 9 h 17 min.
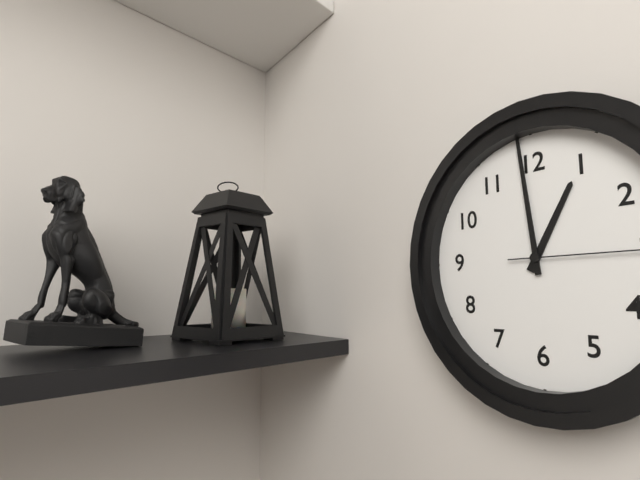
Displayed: 12 h 59 min
